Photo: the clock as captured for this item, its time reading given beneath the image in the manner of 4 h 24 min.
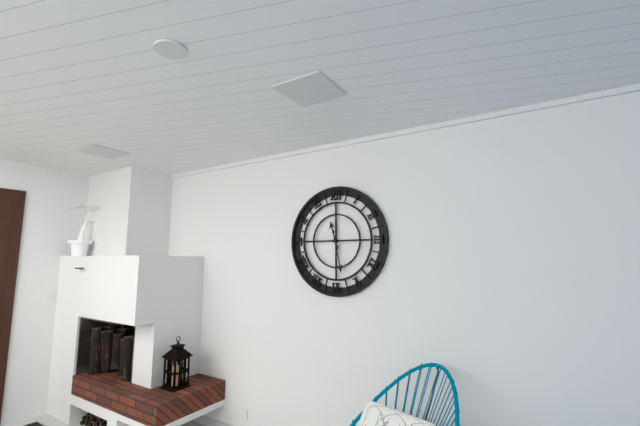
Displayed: 11 h 28 min
